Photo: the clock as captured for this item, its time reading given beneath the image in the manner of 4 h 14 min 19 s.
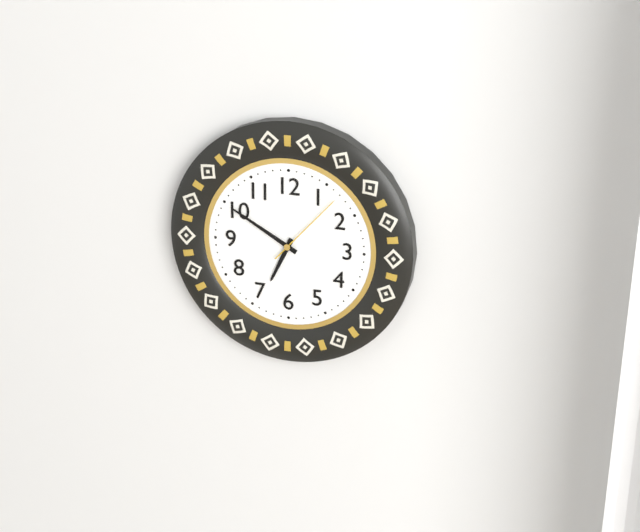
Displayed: 6 h 50 min 07 s
